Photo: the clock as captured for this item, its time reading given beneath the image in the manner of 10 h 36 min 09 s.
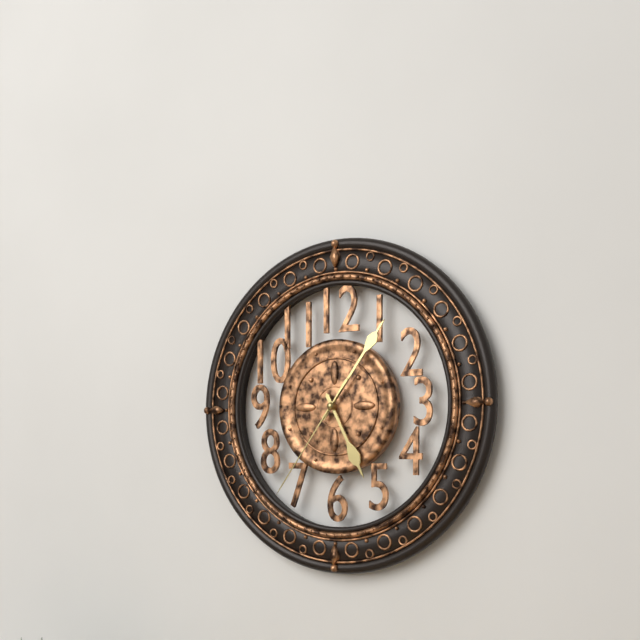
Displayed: 5 h 06 min 36 s
